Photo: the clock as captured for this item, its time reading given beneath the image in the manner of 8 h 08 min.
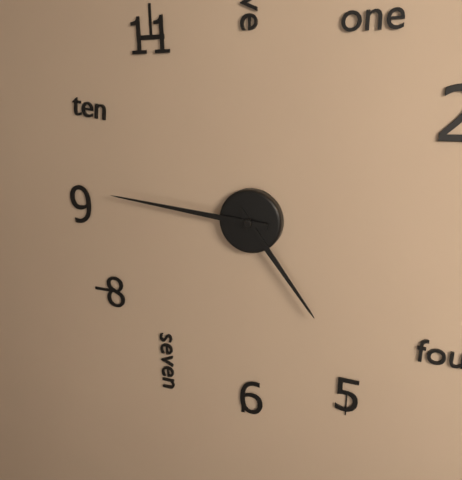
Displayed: 4 h 46 min
